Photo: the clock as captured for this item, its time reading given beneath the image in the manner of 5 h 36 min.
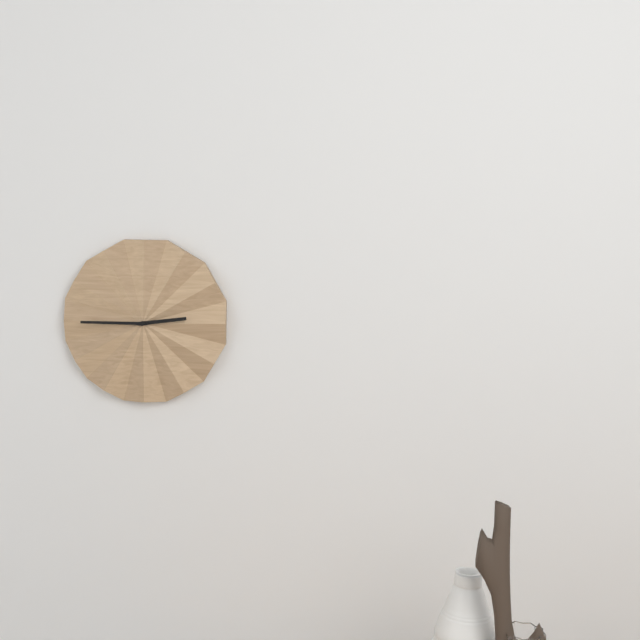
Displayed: 2 h 45 min
